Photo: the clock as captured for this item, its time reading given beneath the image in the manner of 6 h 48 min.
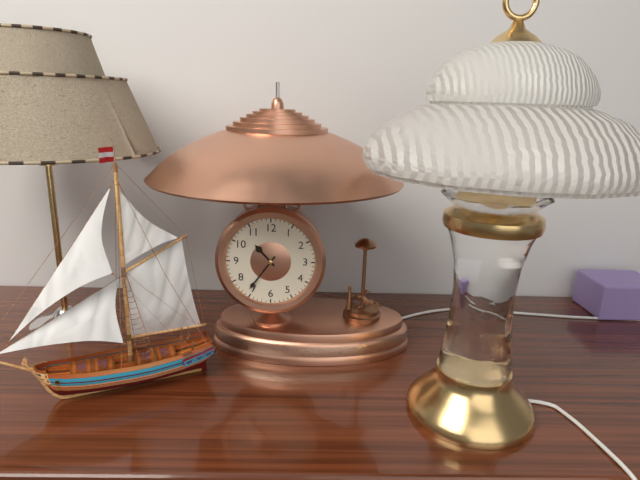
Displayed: 10 h 36 min
